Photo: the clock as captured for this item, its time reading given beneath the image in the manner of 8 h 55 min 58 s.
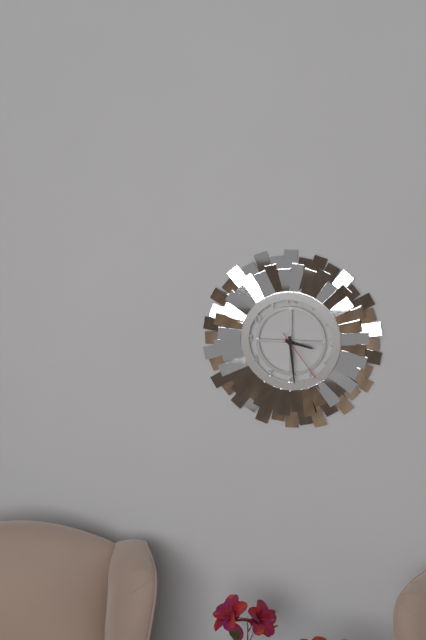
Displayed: 3 h 29 min 24 s
